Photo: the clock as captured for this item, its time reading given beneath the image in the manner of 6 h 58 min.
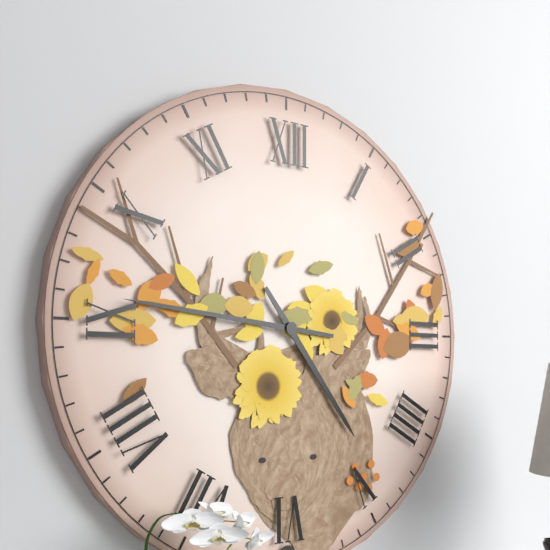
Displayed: 4 h 46 min
